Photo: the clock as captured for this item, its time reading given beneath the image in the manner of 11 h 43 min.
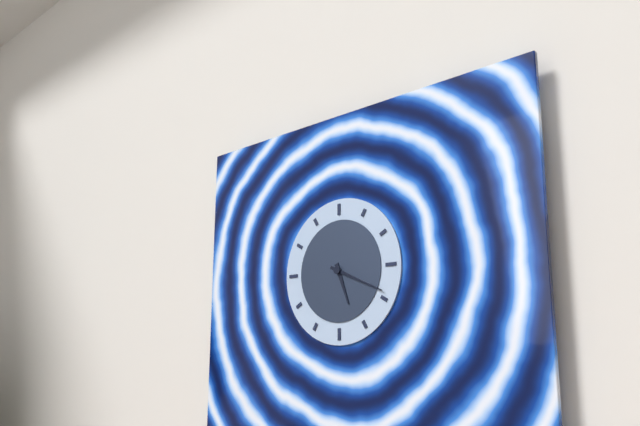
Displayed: 5 h 19 min
